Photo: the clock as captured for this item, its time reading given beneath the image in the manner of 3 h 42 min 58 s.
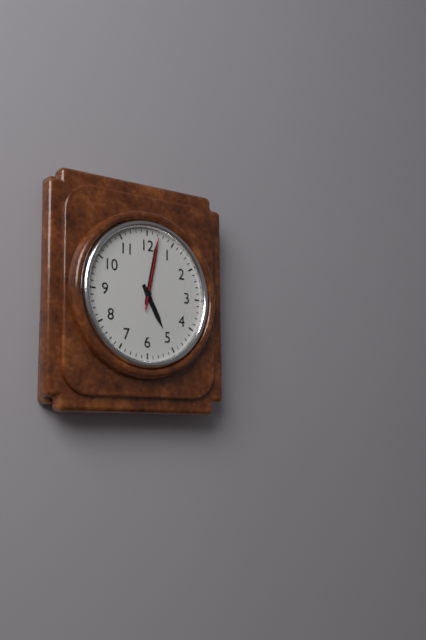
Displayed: 5 h 02 min 02 s
